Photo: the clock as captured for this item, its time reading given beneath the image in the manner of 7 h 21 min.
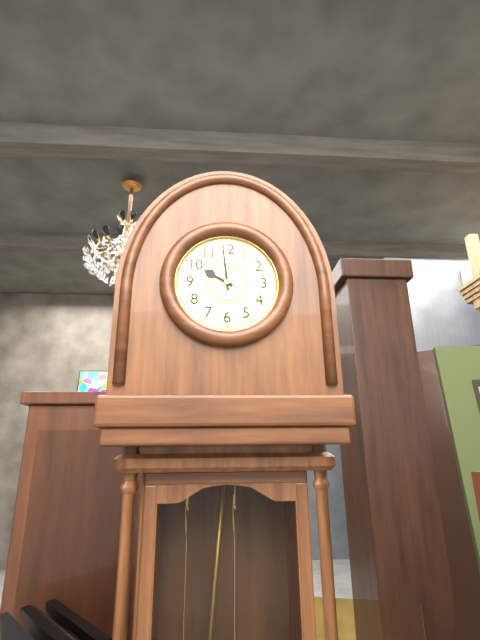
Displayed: 9 h 59 min
